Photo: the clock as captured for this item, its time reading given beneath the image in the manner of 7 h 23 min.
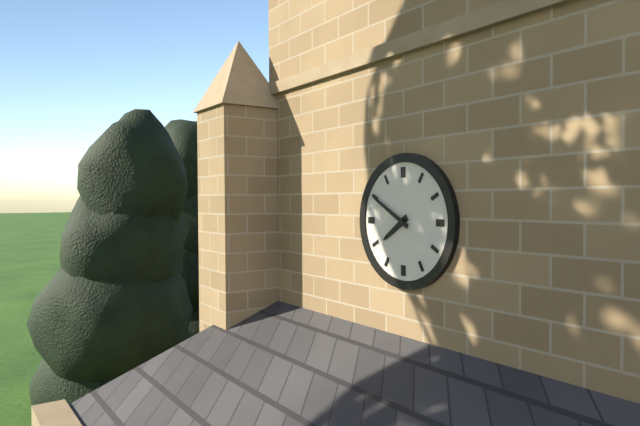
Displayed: 7 h 50 min
